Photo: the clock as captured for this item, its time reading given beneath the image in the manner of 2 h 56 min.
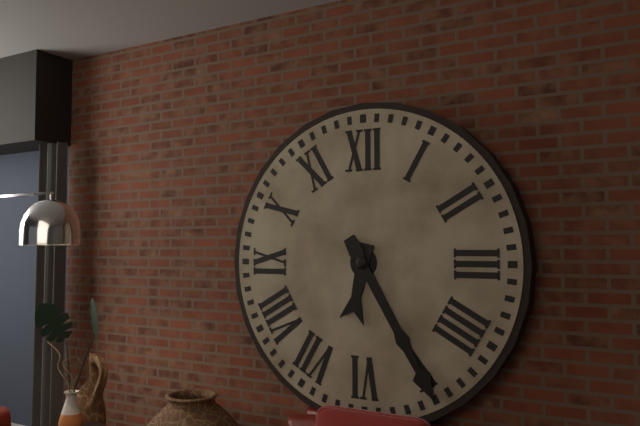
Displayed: 6 h 25 min
